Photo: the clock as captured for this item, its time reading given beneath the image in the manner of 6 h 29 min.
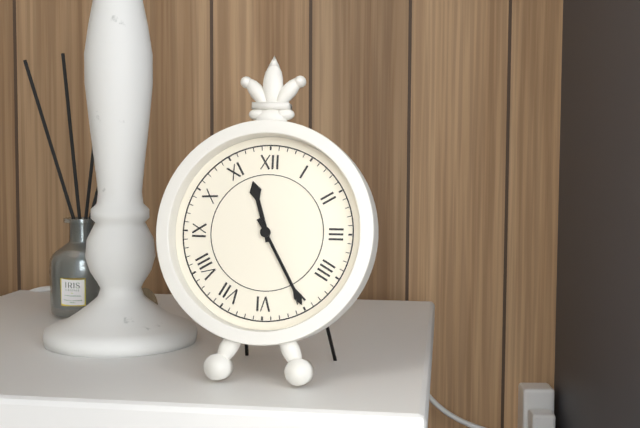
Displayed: 11 h 25 min
